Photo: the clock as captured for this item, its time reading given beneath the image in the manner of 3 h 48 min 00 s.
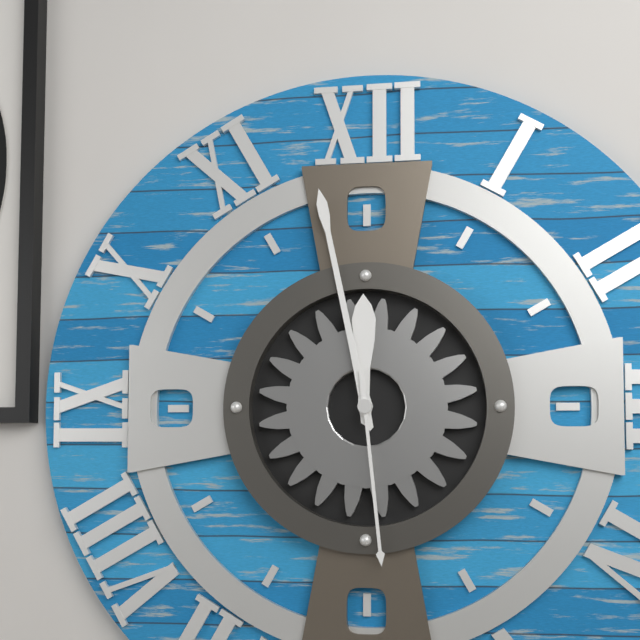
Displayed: 11 h 58 min 29 s
